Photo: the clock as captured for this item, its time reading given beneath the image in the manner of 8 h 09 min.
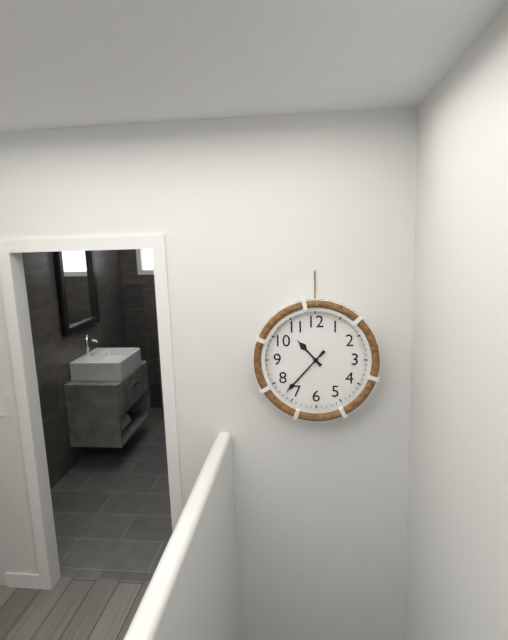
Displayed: 10 h 37 min
